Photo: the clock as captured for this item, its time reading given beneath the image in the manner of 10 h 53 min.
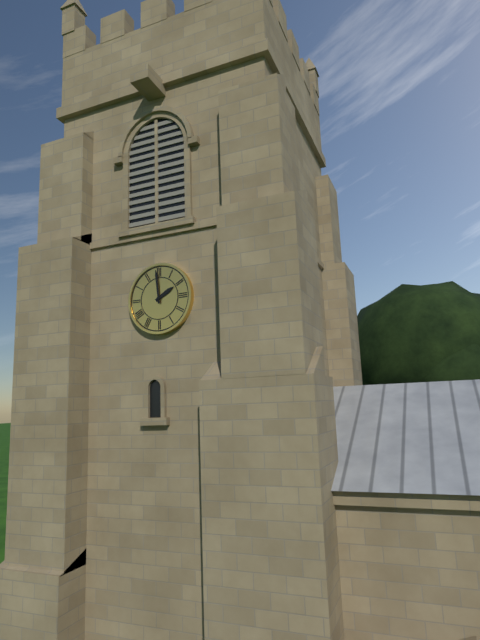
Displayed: 1 h 59 min
